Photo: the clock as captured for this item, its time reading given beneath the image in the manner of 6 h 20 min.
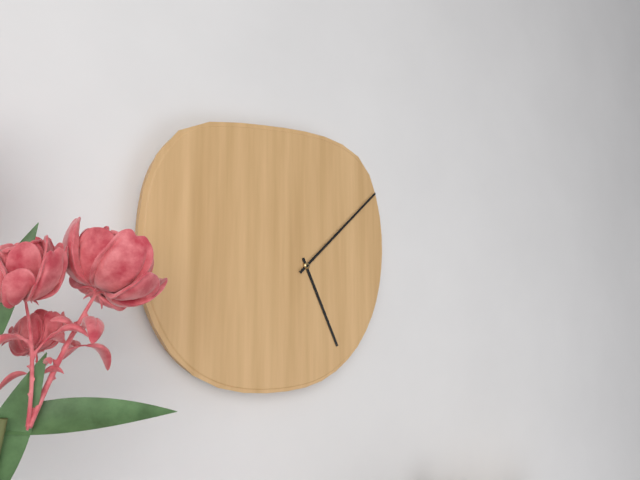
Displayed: 5 h 08 min
